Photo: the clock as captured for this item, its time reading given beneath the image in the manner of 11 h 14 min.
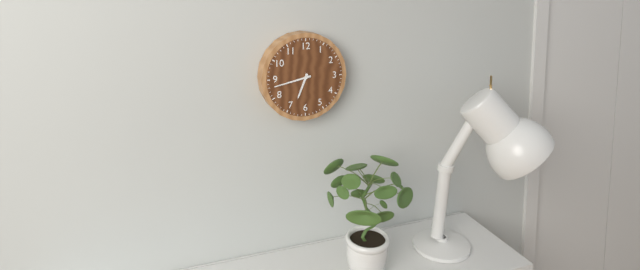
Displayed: 6 h 43 min
